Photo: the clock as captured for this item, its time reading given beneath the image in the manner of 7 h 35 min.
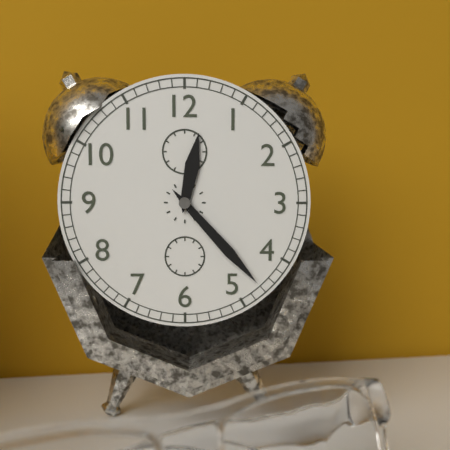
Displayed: 12 h 23 min
